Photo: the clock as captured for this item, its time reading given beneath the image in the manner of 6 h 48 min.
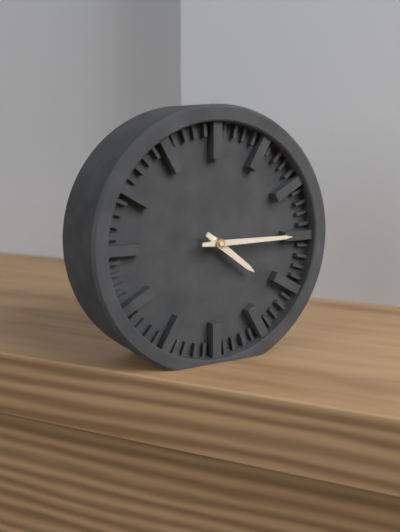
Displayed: 4 h 15 min
